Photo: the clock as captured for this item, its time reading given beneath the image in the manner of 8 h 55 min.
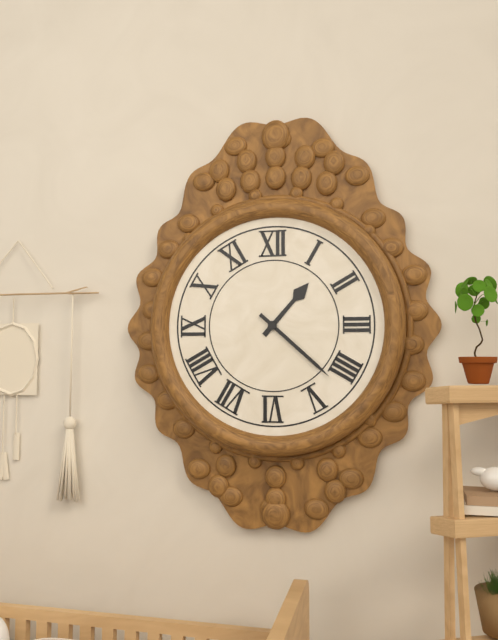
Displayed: 1 h 22 min
